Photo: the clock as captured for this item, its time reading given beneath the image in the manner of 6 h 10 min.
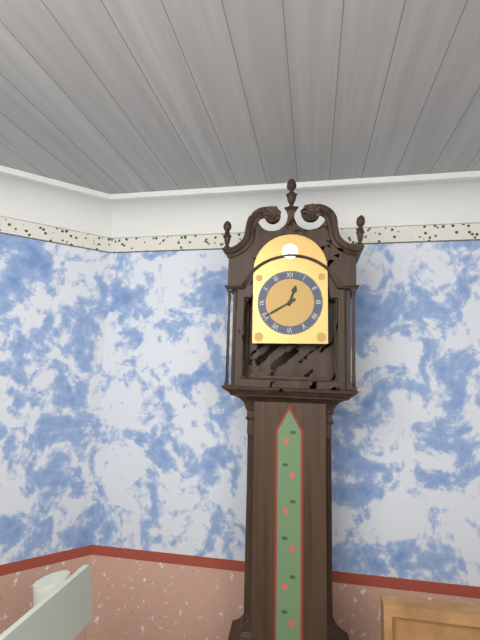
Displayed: 12 h 40 min
